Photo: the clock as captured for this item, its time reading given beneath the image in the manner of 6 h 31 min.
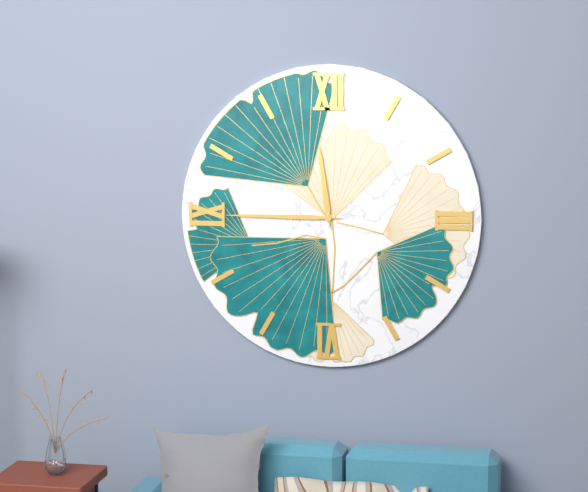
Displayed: 11 h 45 min
